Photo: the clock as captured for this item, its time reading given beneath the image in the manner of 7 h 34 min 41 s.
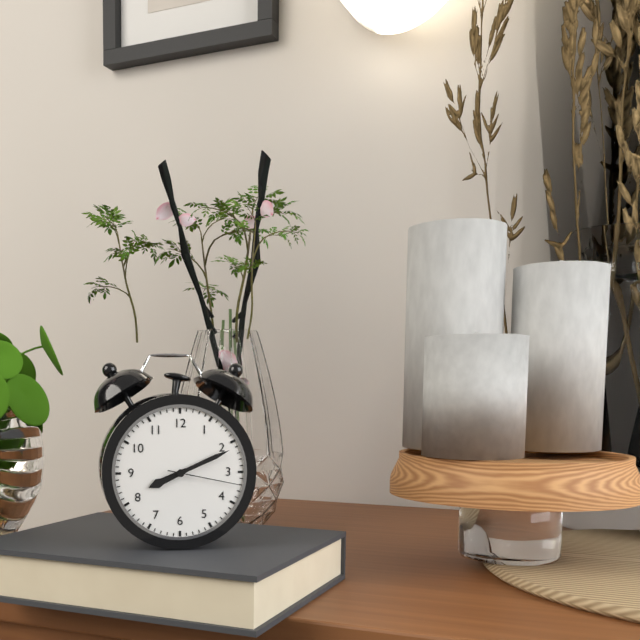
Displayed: 8 h 11 min 17 s
